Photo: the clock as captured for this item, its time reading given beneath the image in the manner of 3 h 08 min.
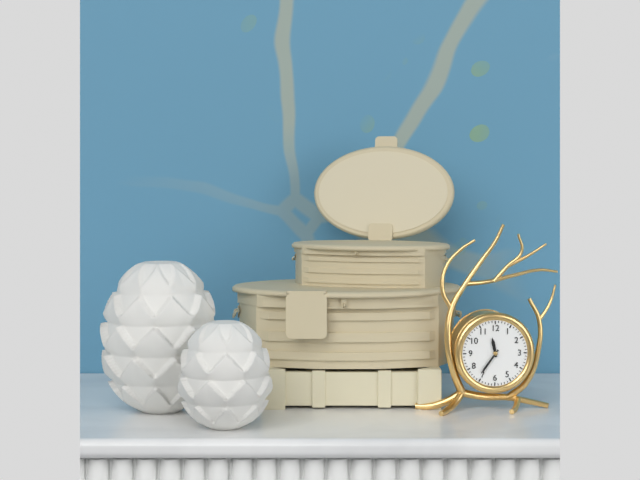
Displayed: 11 h 36 min
